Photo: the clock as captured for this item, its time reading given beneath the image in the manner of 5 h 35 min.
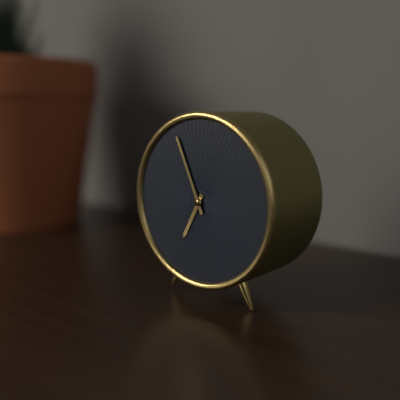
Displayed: 6 h 56 min
